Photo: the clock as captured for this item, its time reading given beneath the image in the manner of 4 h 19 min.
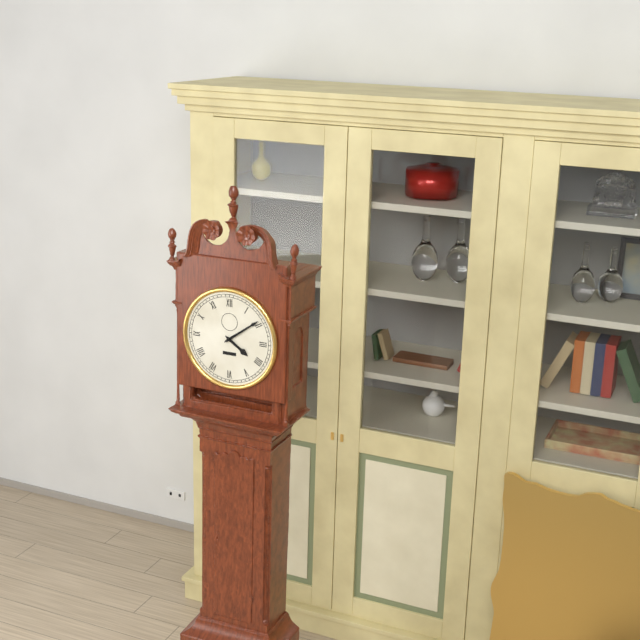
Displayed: 4 h 09 min
